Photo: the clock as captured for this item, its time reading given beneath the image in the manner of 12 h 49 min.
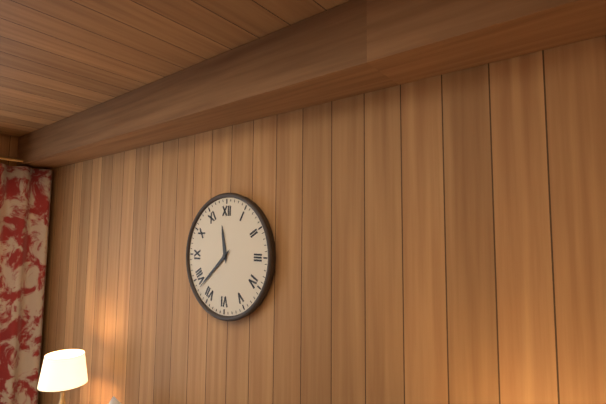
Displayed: 11 h 38 min
